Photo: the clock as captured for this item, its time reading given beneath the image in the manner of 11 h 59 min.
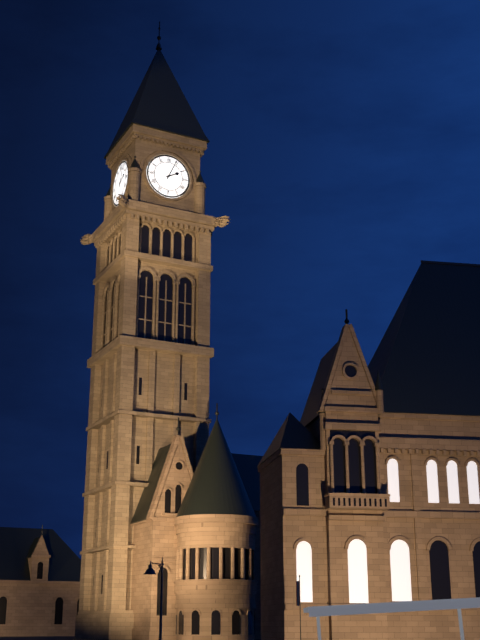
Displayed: 2 h 04 min
